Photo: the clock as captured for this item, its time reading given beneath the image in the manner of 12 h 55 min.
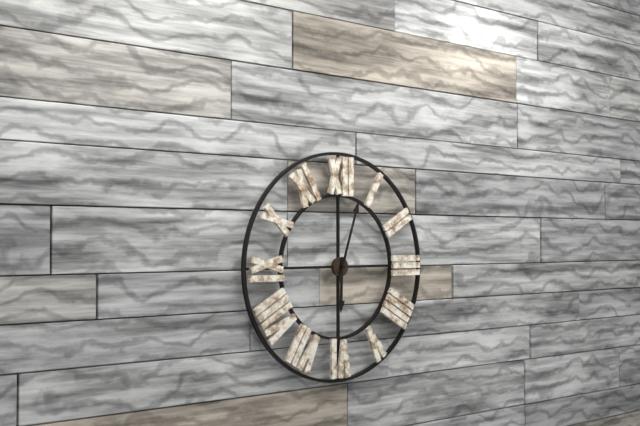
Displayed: 6 h 03 min
